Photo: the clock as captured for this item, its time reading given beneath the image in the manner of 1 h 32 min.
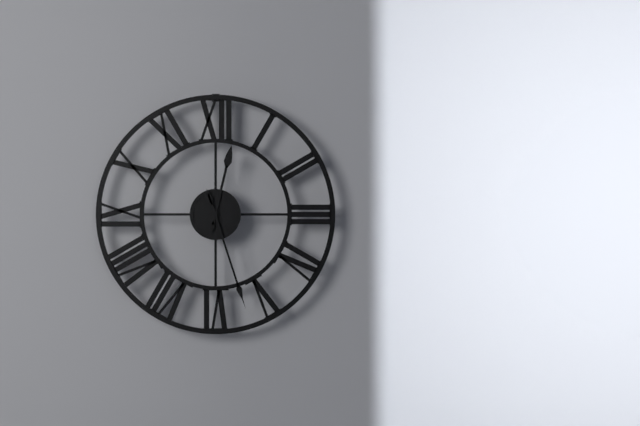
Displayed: 12 h 27 min
